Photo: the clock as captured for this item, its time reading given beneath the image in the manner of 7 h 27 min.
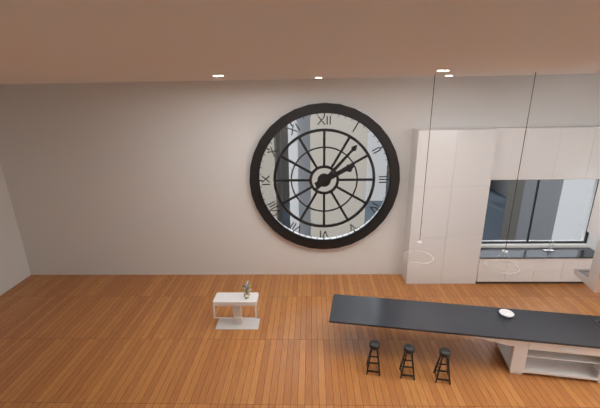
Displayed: 2 h 07 min
